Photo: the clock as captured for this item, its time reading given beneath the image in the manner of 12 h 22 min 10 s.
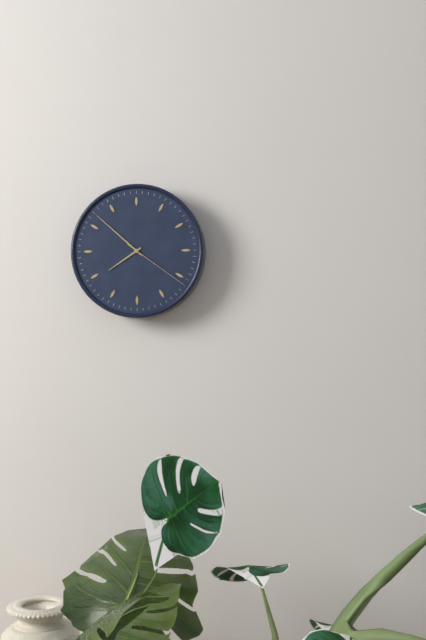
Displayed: 7 h 52 min 21 s
